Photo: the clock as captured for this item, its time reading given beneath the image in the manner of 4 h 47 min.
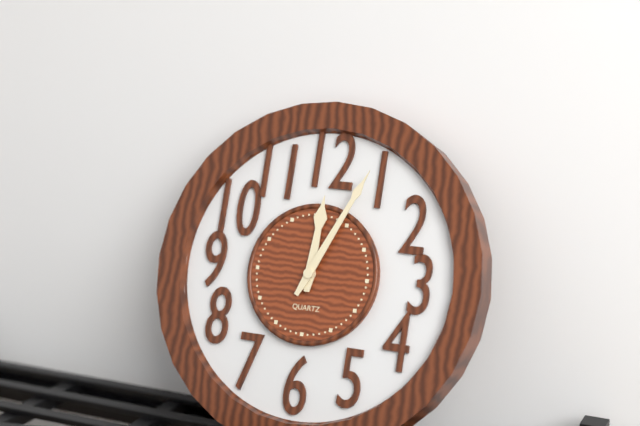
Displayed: 12 h 04 min
